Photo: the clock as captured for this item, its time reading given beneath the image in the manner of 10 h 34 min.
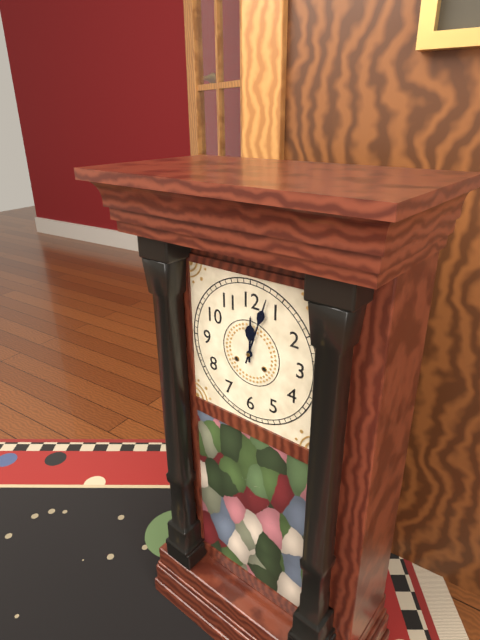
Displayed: 12 h 03 min
